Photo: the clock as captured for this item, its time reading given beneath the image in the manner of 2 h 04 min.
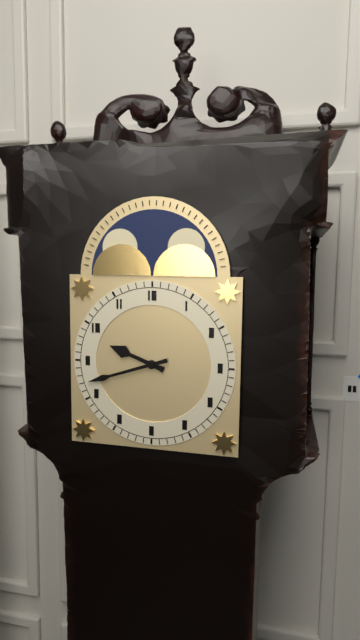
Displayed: 9 h 42 min
